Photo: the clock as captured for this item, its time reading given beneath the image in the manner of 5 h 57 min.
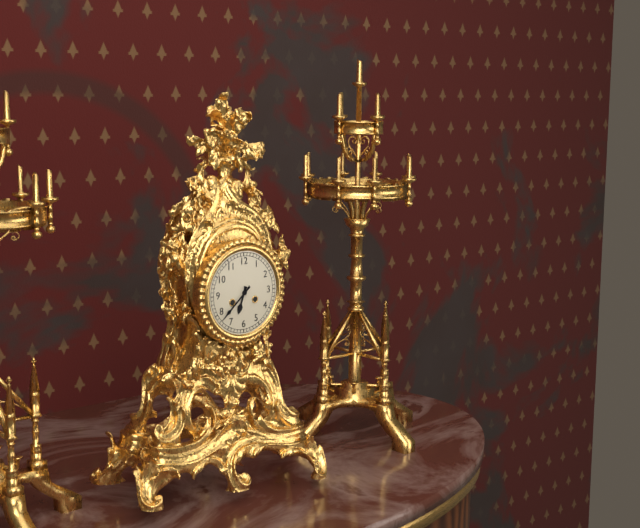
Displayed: 6 h 38 min
